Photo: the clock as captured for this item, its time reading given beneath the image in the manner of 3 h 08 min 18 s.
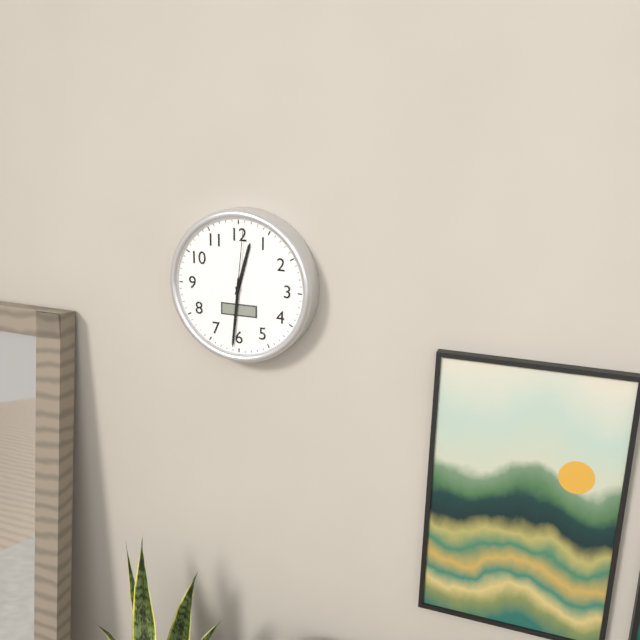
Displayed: 12 h 31 min 01 s
